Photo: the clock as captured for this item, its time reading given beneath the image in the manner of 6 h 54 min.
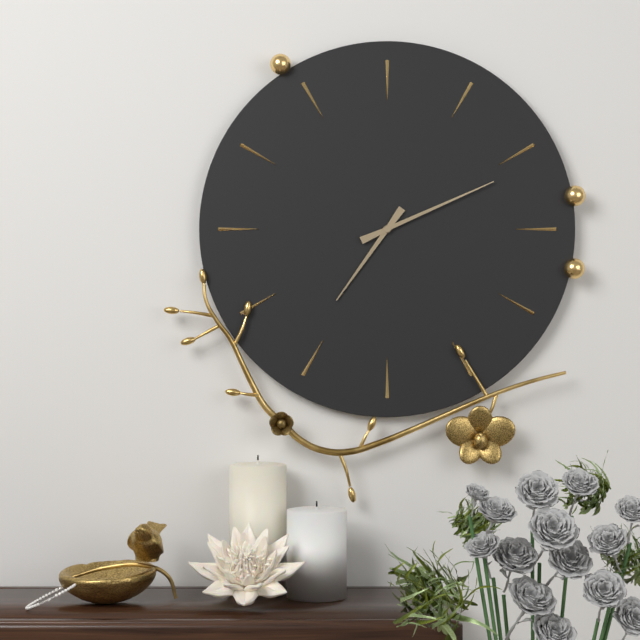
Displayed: 7 h 11 min
